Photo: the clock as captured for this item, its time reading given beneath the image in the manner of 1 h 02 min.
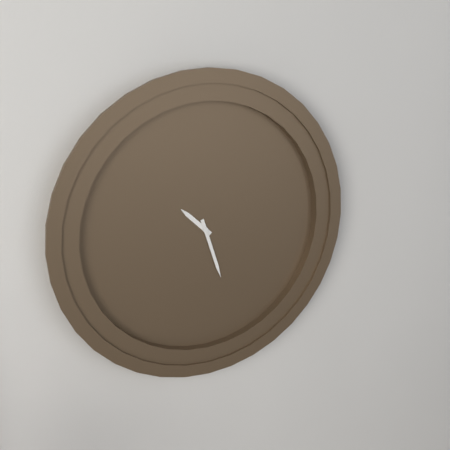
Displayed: 10 h 27 min
